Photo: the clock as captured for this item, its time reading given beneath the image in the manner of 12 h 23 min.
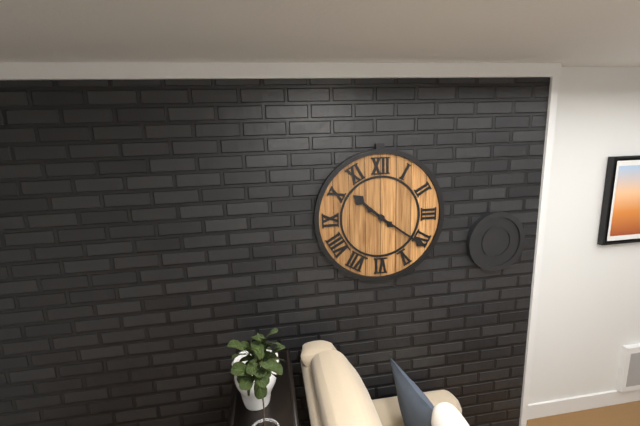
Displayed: 10 h 21 min
